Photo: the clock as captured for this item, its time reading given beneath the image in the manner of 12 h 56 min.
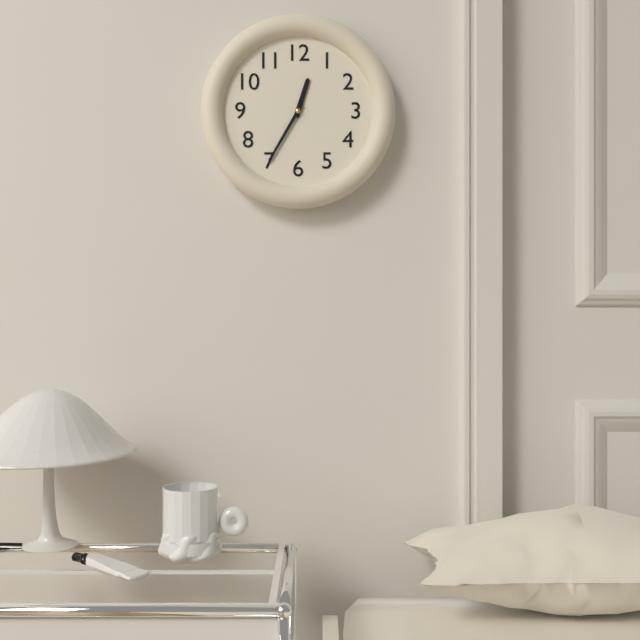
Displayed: 12 h 35 min
